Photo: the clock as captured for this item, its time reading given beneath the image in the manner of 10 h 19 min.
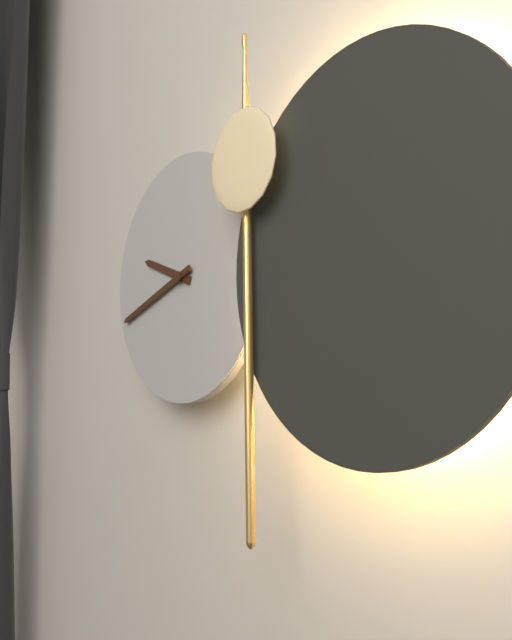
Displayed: 9 h 42 min
